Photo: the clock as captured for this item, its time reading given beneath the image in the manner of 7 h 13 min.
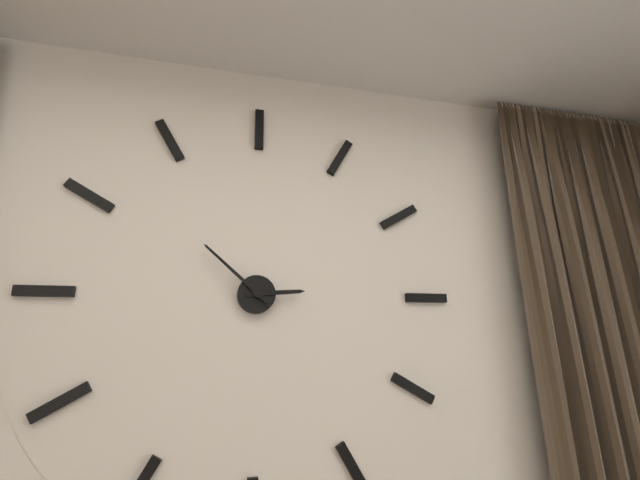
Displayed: 2 h 52 min
